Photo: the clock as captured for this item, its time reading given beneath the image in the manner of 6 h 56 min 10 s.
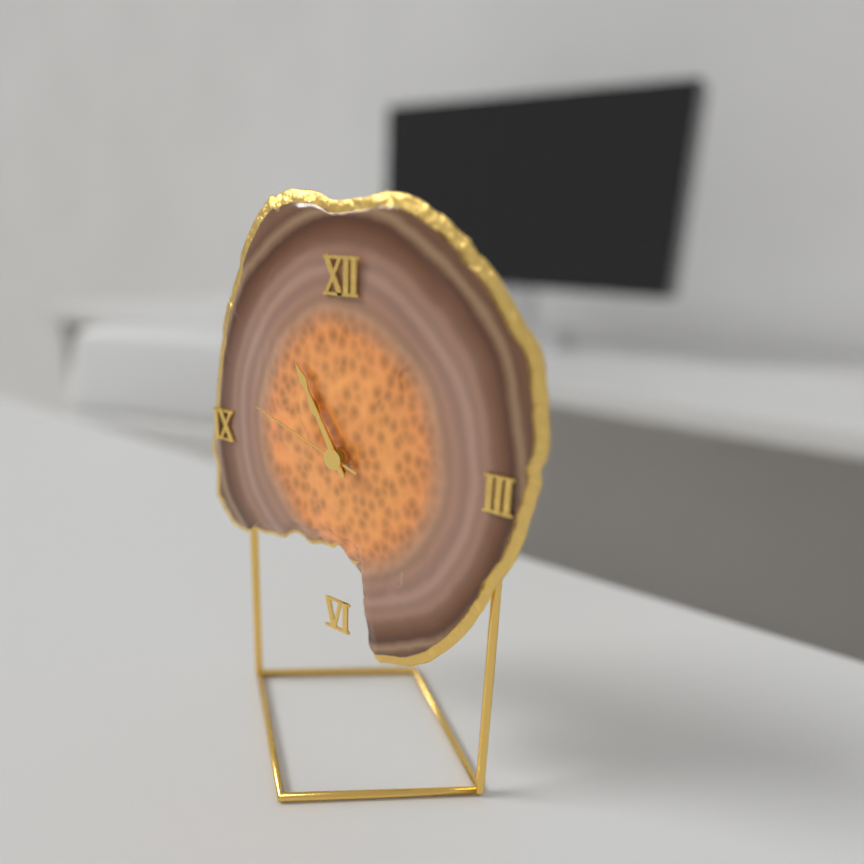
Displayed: 10 h 55 min 48 s
